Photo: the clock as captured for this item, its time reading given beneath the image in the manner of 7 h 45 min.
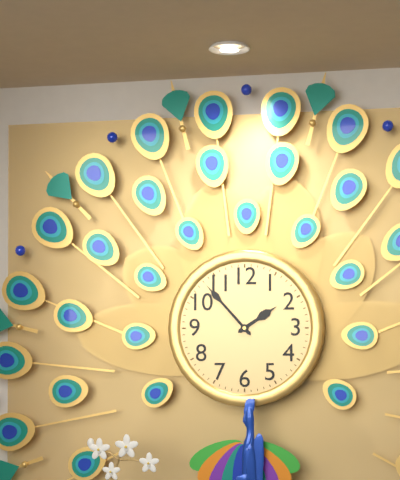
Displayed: 1 h 53 min
